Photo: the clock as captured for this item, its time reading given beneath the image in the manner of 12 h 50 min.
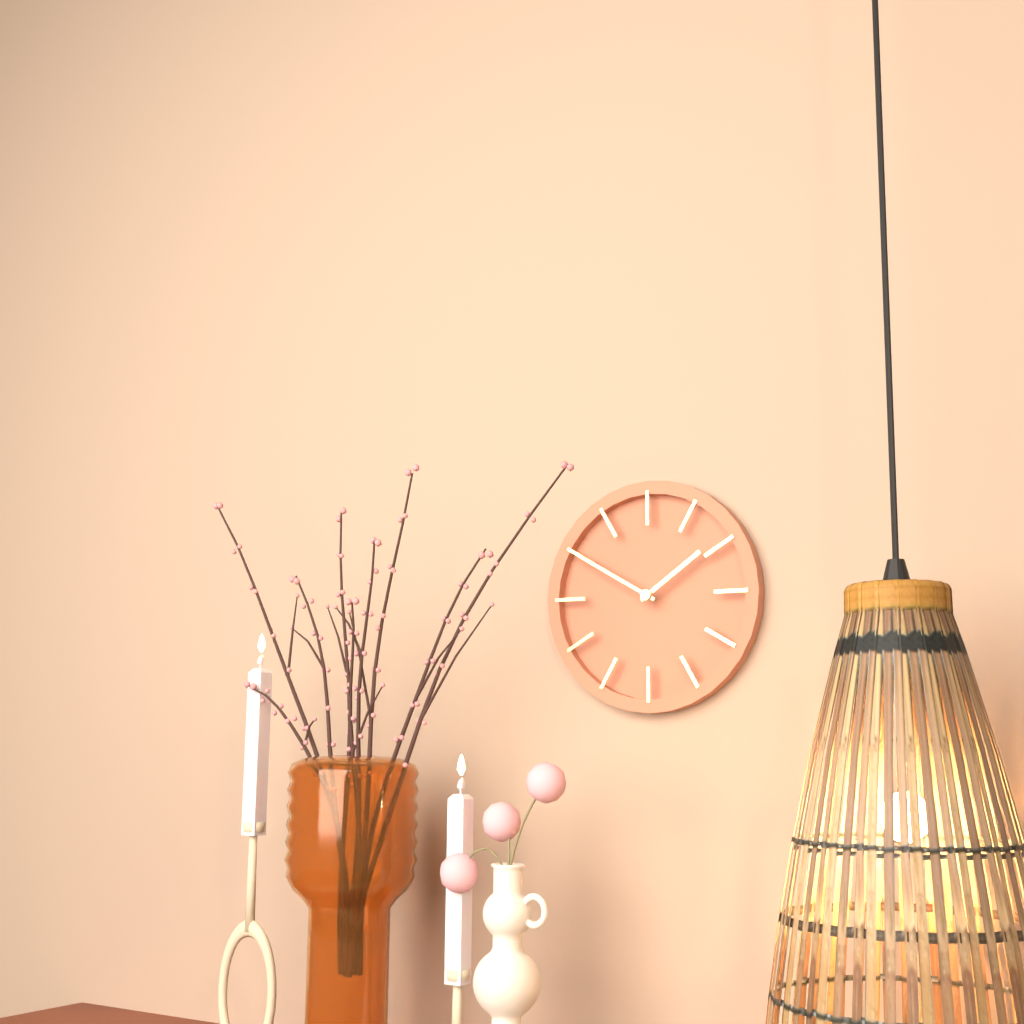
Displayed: 1 h 50 min
